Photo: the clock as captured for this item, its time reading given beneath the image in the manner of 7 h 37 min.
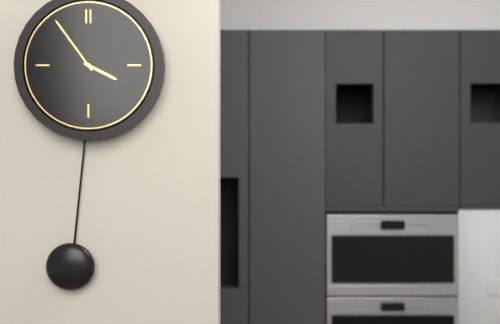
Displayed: 3 h 54 min
